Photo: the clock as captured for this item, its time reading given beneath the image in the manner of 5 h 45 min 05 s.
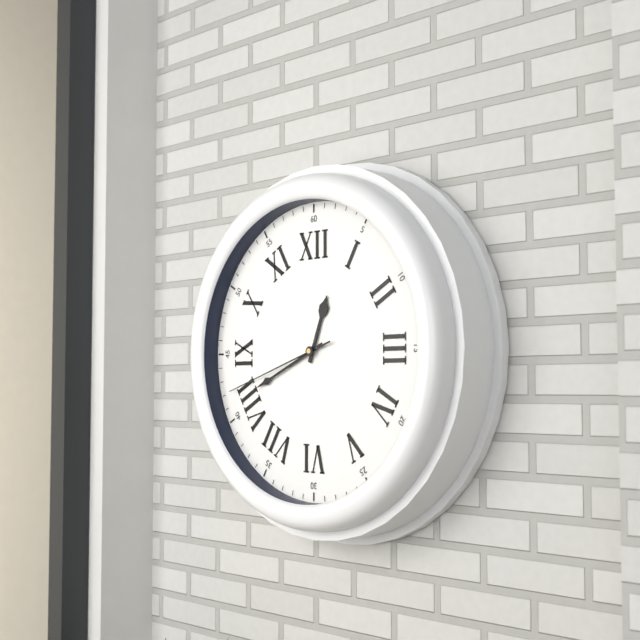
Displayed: 12 h 41 min 42 s
